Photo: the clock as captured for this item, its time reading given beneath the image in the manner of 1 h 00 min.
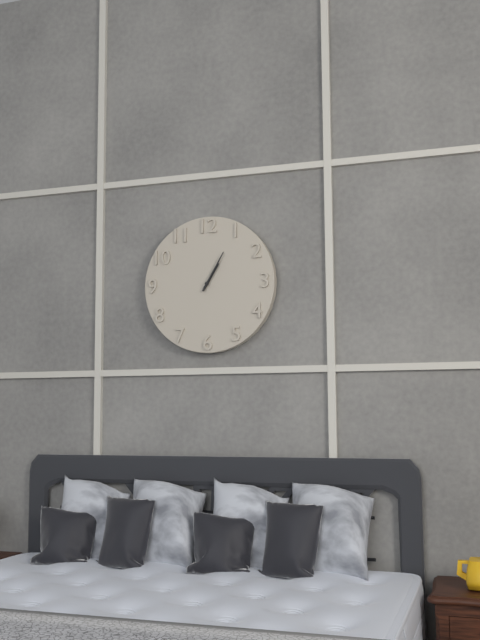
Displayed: 1 h 05 min
